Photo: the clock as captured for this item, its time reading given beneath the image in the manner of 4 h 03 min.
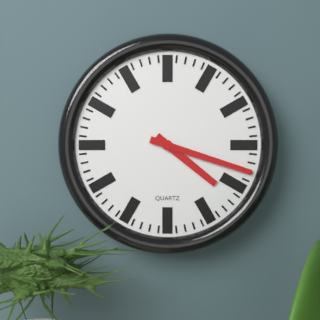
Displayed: 4 h 18 min
